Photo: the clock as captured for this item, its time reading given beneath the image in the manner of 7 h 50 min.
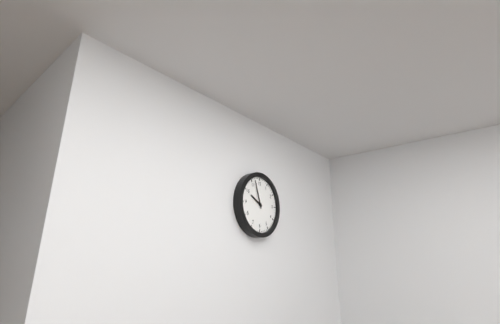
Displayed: 9 h 57 min
